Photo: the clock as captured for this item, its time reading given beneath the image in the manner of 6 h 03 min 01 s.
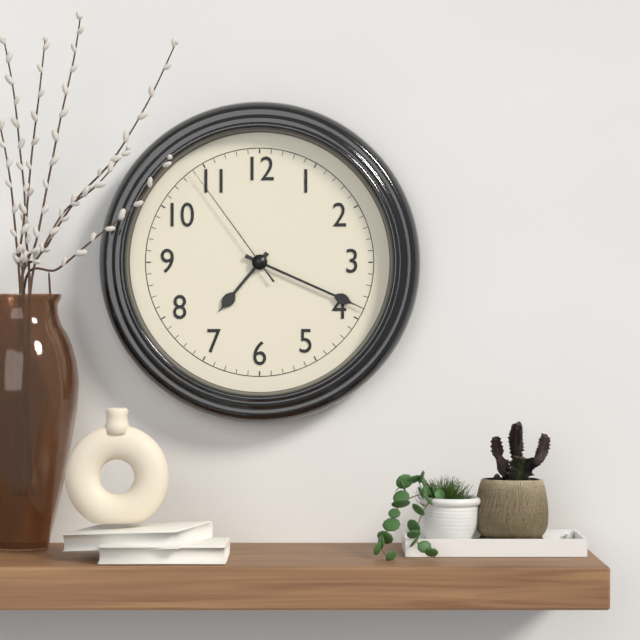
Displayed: 7 h 19 min 54 s
